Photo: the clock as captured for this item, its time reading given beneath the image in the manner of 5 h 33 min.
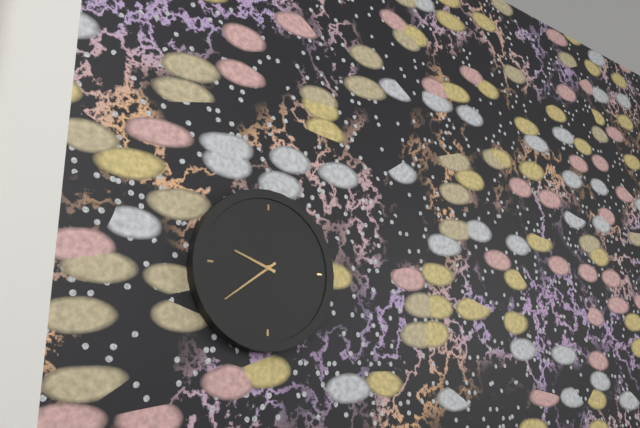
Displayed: 9 h 39 min
